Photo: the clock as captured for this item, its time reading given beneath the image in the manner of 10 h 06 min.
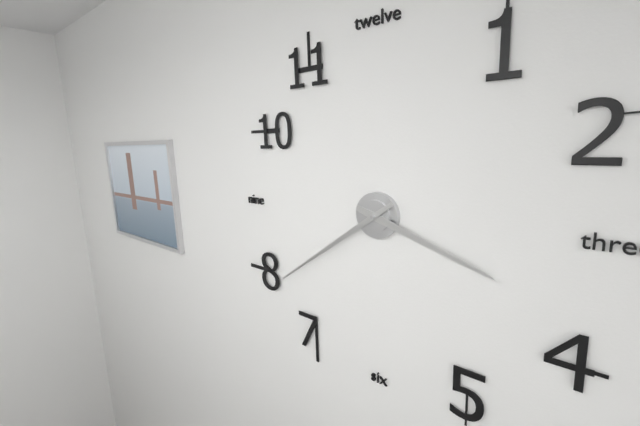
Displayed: 3 h 39 min
